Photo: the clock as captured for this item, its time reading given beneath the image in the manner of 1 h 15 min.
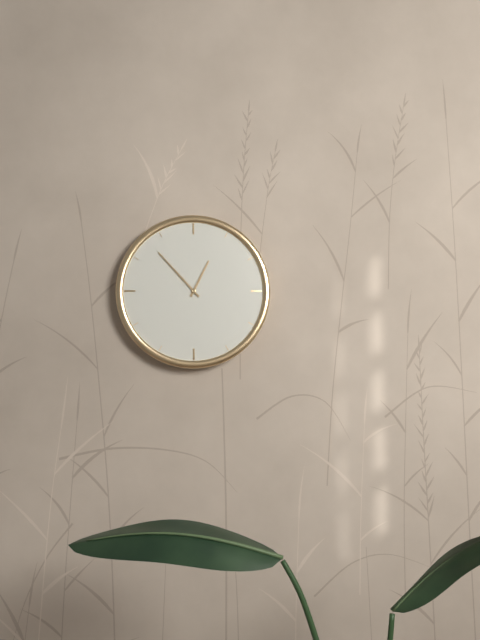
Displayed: 12 h 53 min
